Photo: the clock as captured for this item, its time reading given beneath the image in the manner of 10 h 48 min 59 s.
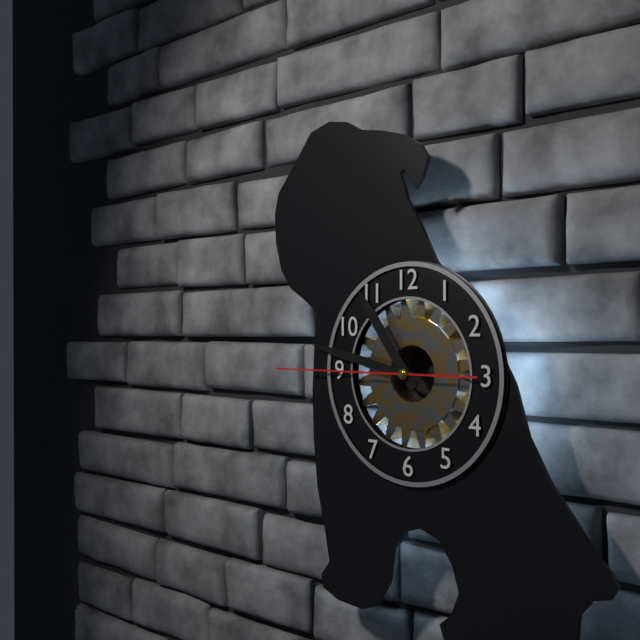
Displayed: 10 h 47 min 45 s
